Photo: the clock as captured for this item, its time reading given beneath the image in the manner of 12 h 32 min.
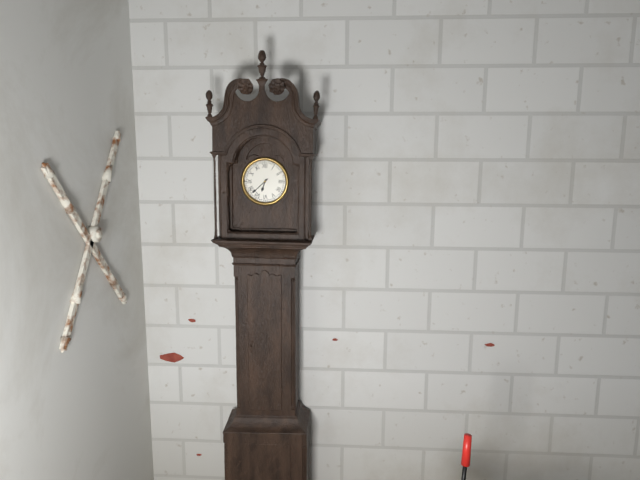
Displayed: 6 h 38 min
